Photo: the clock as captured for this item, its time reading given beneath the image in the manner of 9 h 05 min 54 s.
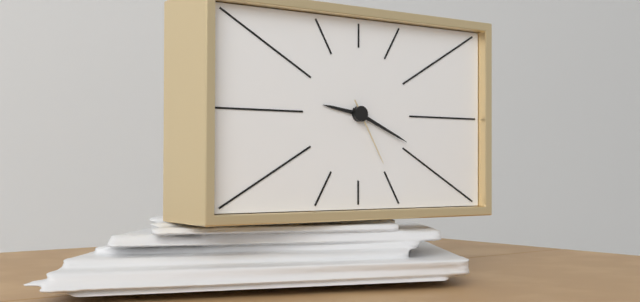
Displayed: 9 h 19 min 25 s
